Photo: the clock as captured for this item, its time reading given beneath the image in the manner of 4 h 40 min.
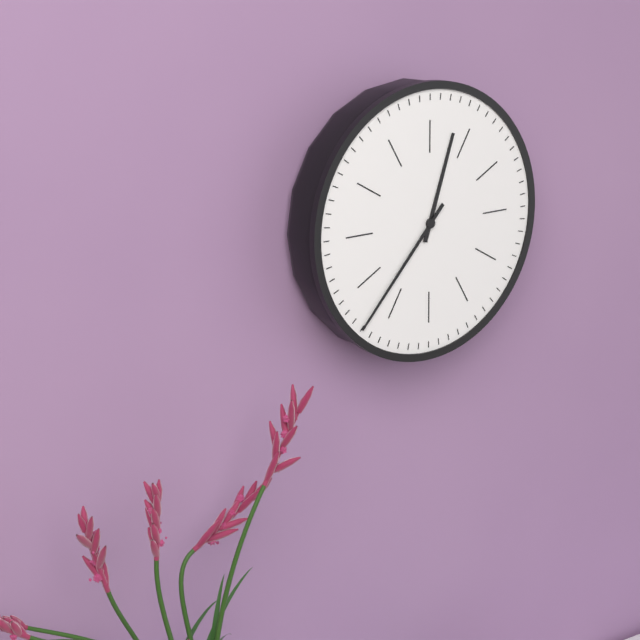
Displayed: 12 h 37 min
